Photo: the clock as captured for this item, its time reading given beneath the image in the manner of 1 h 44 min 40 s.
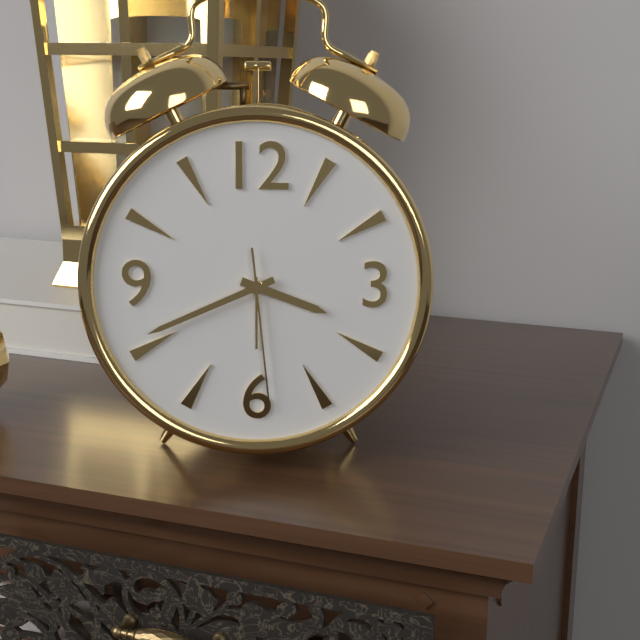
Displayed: 3 h 41 min 29 s
